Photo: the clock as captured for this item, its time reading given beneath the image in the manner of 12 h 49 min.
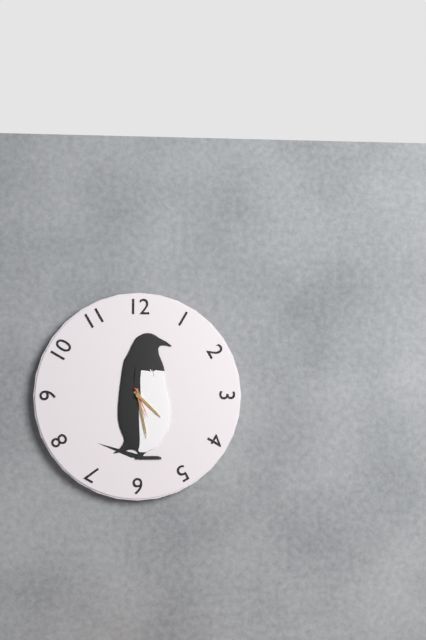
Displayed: 4 h 28 min
